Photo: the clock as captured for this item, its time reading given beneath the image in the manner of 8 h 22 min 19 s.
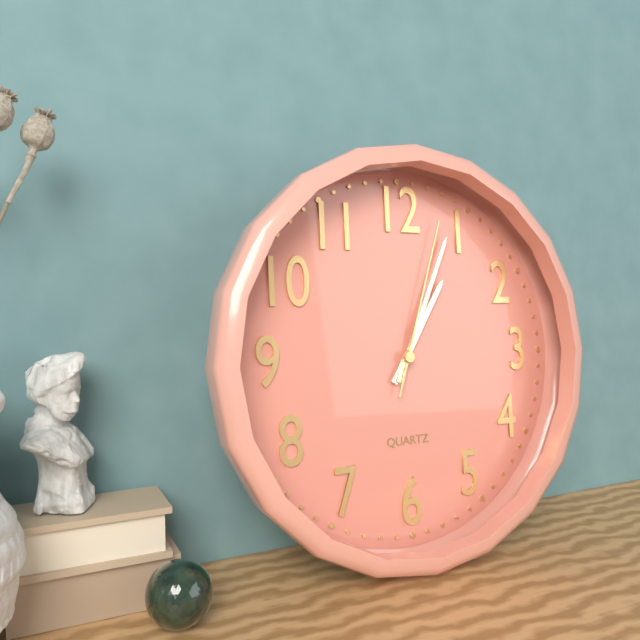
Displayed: 1 h 04 min 03 s
